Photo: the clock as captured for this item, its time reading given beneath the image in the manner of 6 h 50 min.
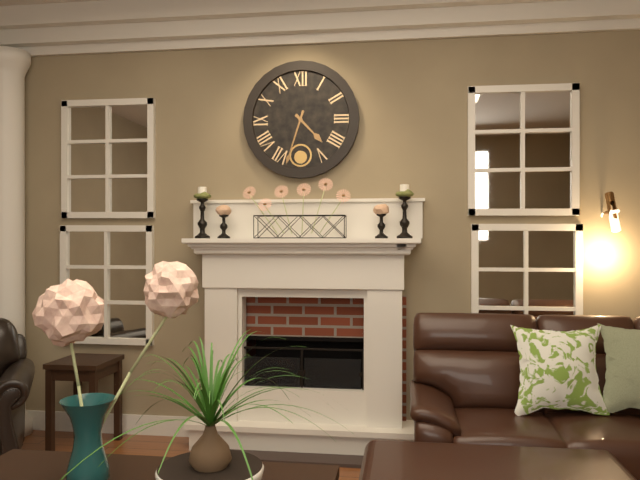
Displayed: 4 h 33 min
